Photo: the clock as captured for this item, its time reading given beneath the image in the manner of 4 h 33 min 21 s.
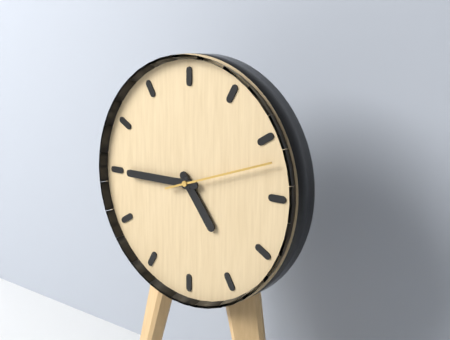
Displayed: 4 h 45 min 12 s
